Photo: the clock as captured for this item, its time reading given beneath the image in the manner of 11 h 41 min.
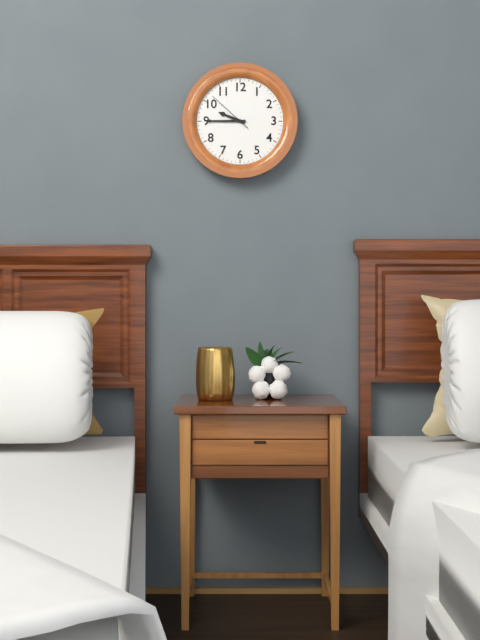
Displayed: 9 h 45 min
